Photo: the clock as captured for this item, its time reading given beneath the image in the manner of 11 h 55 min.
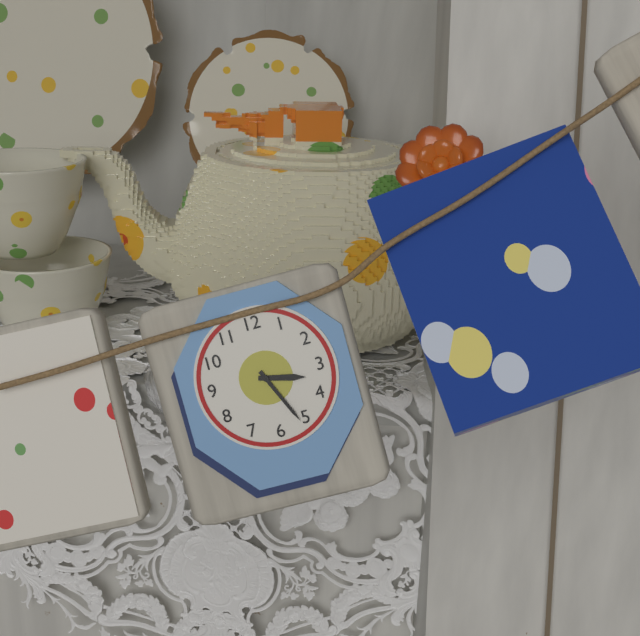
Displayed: 3 h 26 min
